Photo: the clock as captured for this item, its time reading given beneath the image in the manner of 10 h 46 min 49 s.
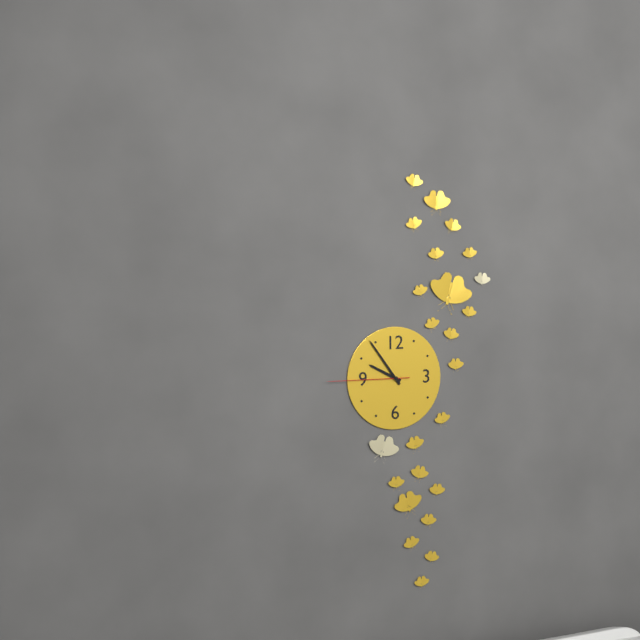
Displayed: 9 h 54 min 45 s
